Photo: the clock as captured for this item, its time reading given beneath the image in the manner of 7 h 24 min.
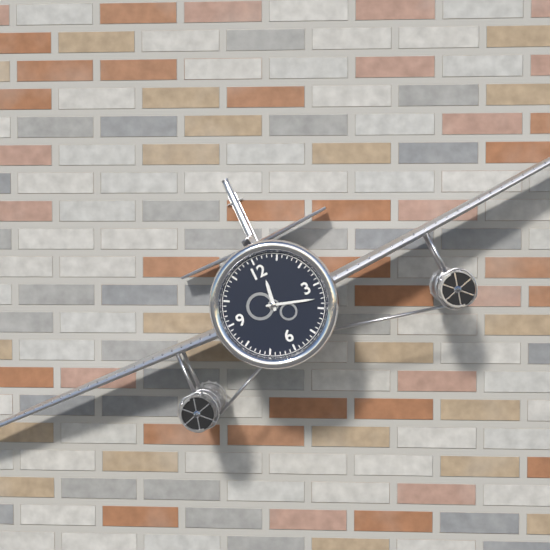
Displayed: 12 h 18 min
